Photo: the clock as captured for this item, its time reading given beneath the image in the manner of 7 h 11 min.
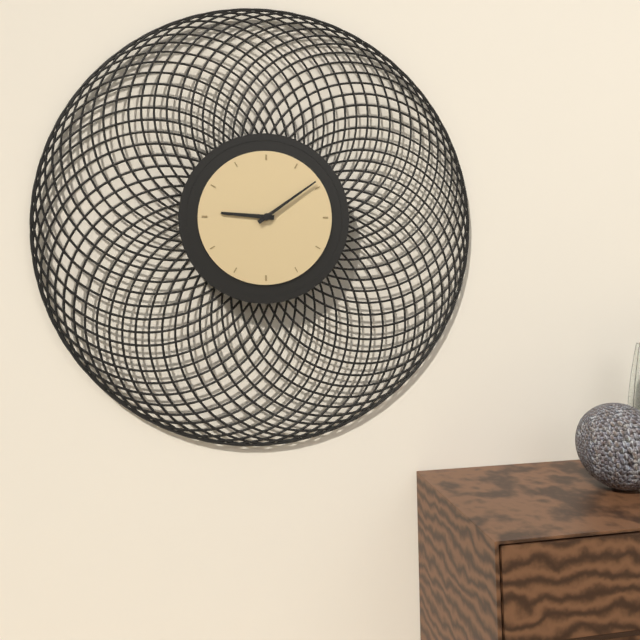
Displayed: 9 h 09 min
